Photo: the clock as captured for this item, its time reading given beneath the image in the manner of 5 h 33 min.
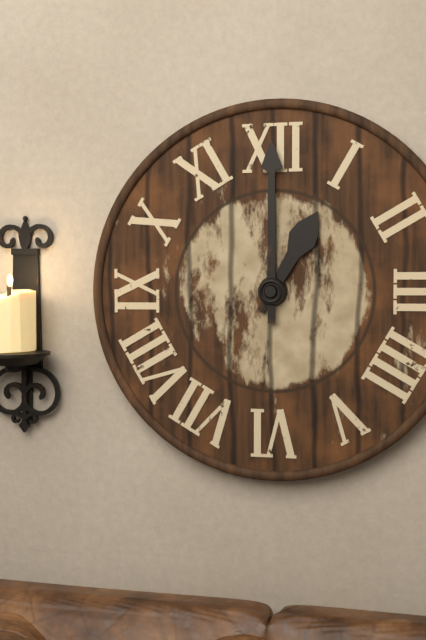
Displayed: 1 h 00 min
